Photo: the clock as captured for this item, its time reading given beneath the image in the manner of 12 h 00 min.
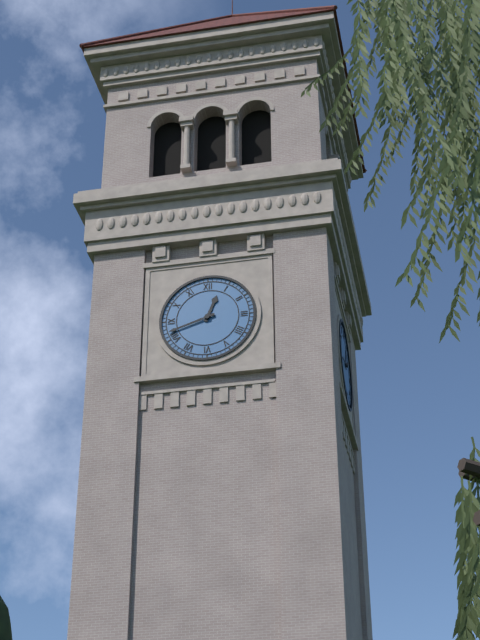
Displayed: 12 h 42 min
